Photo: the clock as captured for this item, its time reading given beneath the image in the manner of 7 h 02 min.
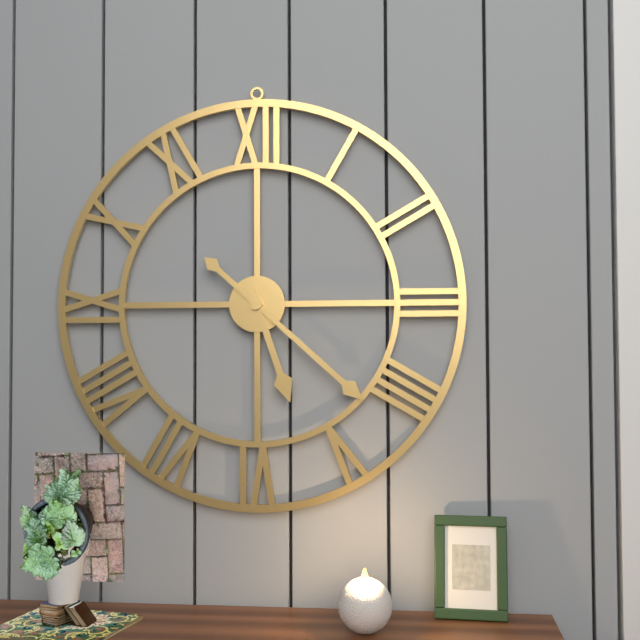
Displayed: 5 h 22 min
